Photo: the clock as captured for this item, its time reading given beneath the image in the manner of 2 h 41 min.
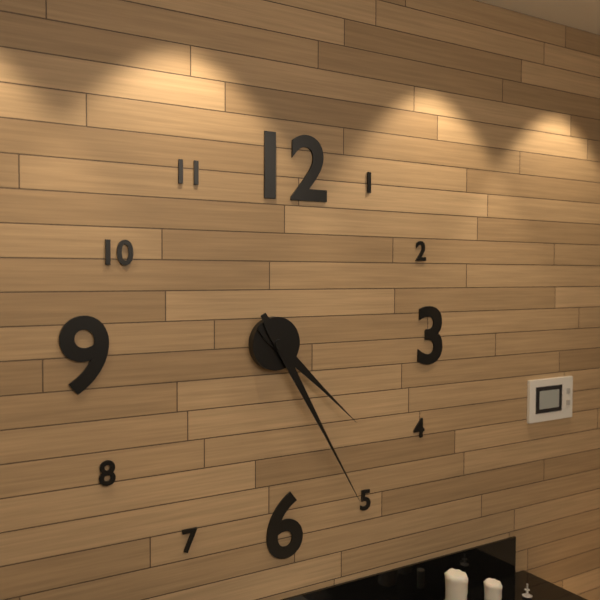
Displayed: 4 h 25 min
